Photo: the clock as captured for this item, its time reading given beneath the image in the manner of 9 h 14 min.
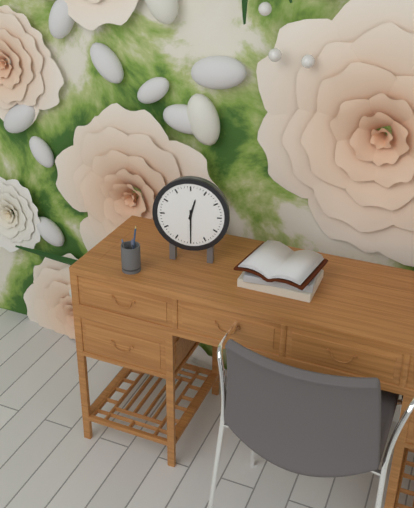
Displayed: 12 h 30 min
